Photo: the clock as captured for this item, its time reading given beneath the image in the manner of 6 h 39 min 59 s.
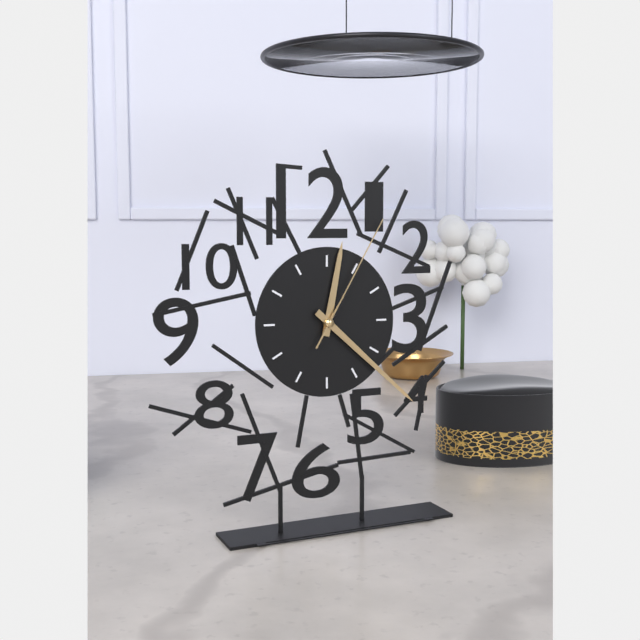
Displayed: 12 h 22 min 05 s
